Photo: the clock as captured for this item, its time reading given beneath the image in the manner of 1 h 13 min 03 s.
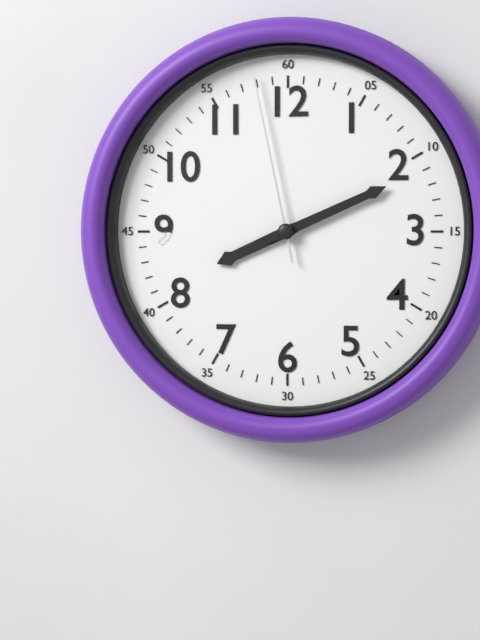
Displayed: 8 h 11 min 58 s
